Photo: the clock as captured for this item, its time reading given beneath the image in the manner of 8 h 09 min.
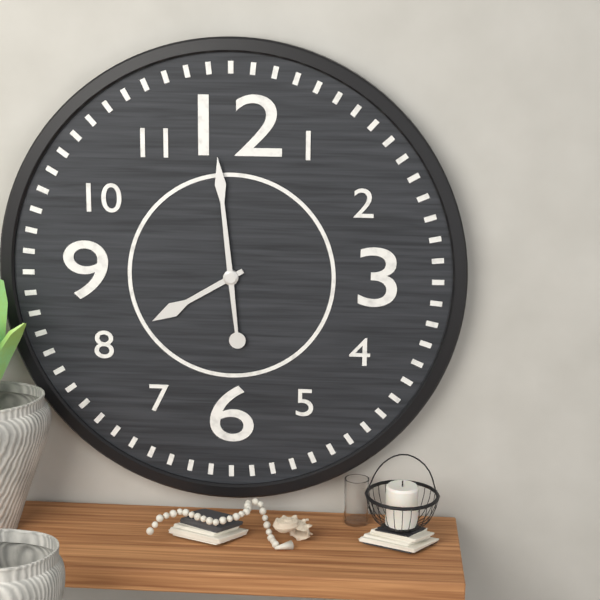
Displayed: 7 h 59 min
